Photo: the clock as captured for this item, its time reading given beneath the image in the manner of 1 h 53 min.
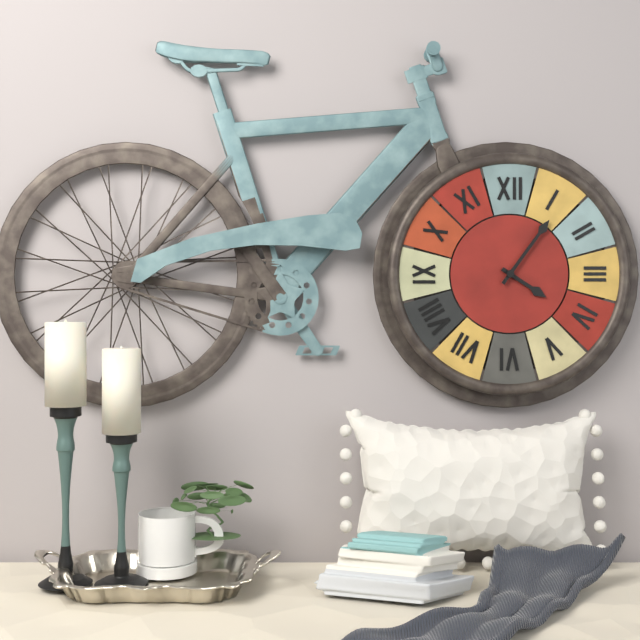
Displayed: 4 h 06 min
